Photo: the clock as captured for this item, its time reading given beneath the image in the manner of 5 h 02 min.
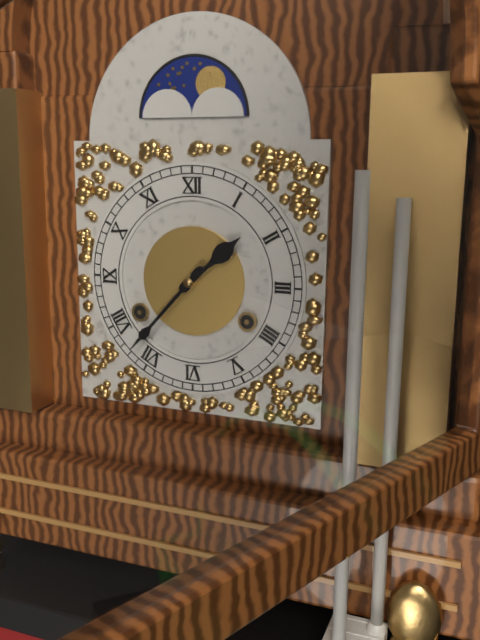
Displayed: 1 h 37 min
